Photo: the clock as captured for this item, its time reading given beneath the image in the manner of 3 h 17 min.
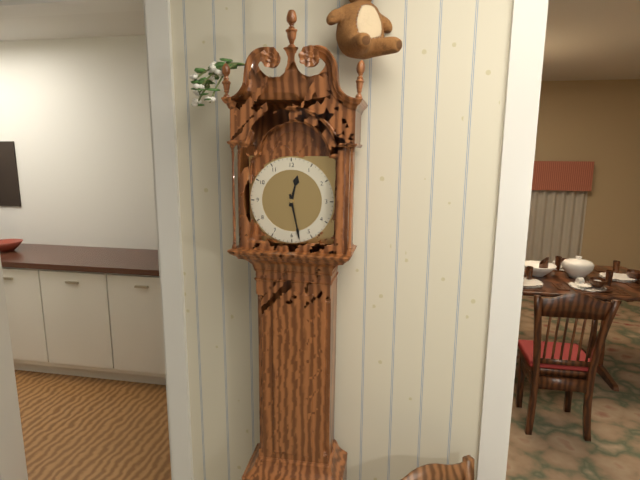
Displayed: 12 h 28 min
